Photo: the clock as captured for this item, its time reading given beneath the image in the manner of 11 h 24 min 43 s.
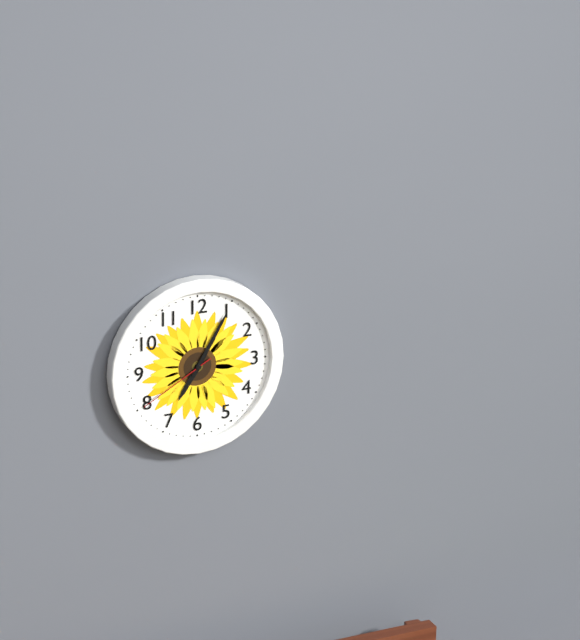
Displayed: 7 h 05 min 40 s
